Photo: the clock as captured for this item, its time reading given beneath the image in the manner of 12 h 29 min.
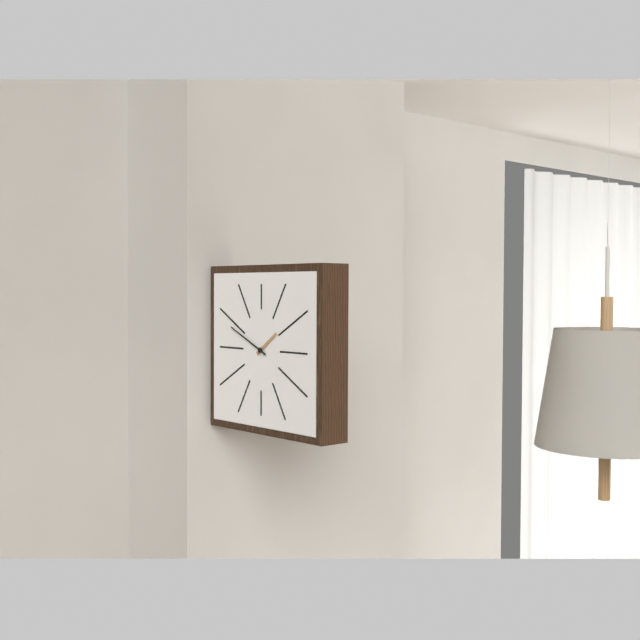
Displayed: 1 h 49 min
